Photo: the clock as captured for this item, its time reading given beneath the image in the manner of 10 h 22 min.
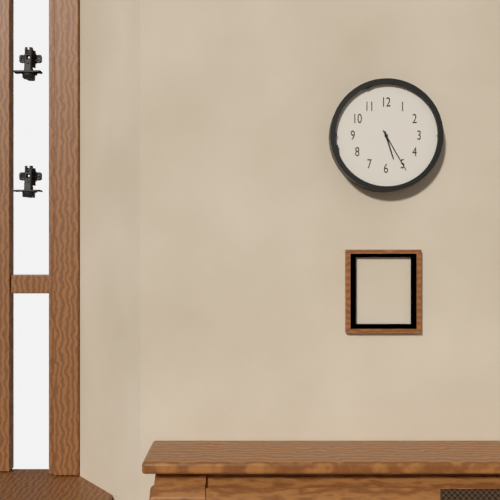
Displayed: 5 h 25 min
